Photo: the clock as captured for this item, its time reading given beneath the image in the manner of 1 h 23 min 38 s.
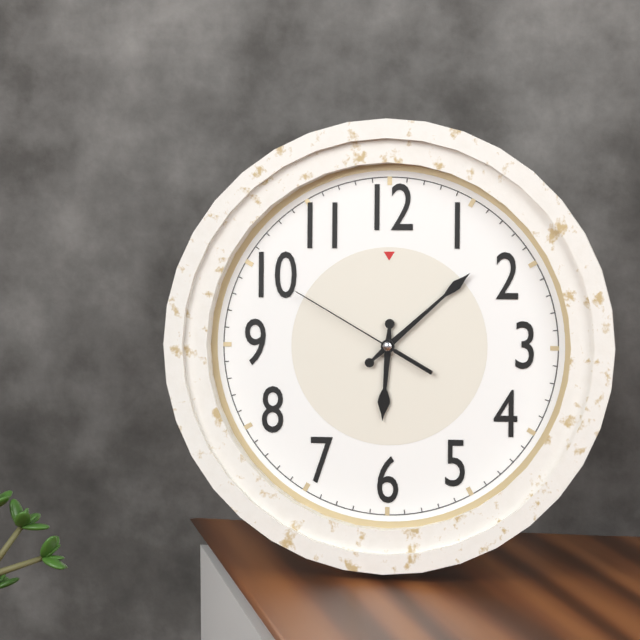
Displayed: 6 h 08 min 50 s
